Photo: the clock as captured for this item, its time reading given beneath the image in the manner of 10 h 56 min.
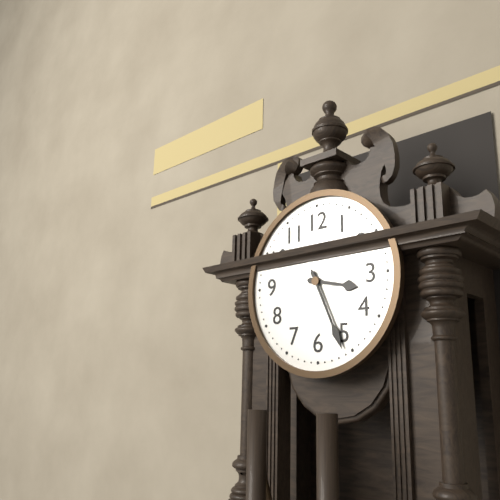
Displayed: 3 h 26 min
